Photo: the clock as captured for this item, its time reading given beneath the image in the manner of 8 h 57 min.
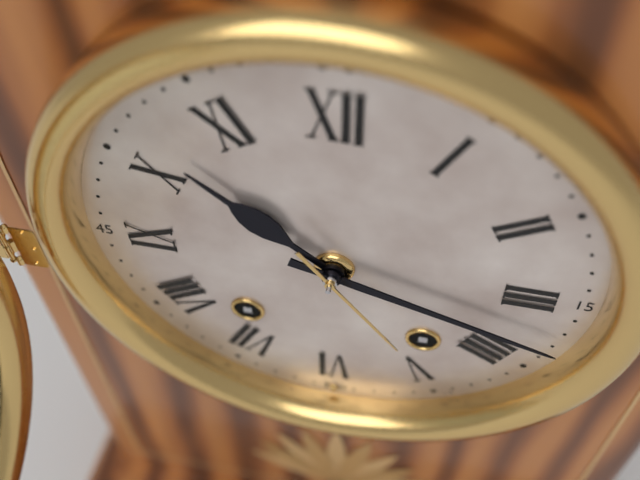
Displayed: 10 h 18 min
